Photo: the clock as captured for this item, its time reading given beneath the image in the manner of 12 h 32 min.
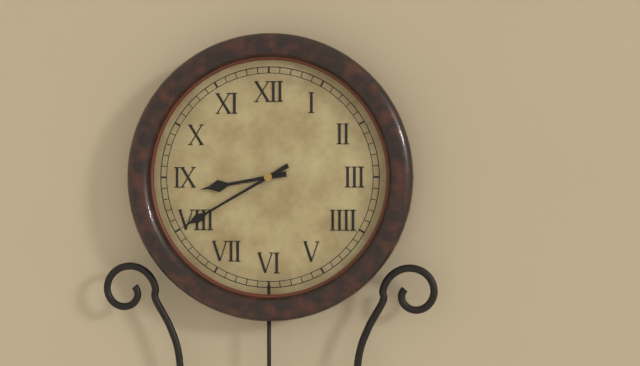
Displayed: 8 h 40 min
